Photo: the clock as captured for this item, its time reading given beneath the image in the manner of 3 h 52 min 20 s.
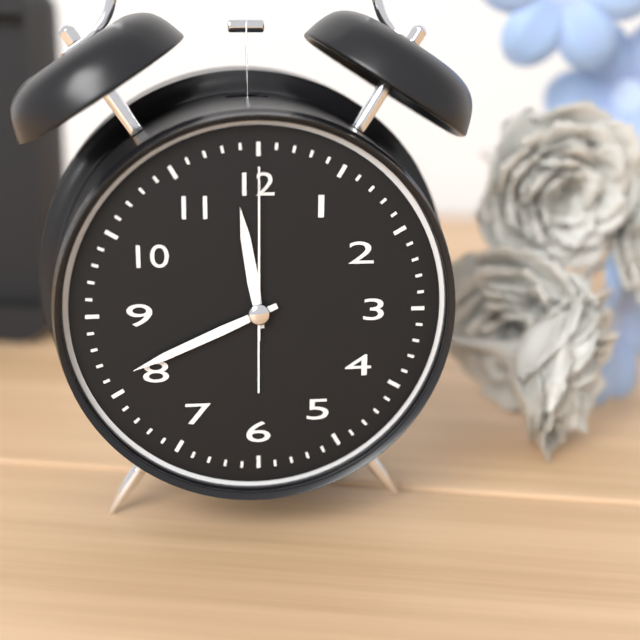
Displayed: 11 h 41 min 00 s
